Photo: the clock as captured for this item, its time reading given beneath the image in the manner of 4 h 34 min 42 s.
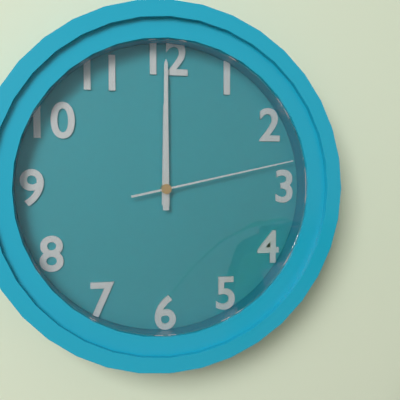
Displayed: 12 h 00 min 13 s
